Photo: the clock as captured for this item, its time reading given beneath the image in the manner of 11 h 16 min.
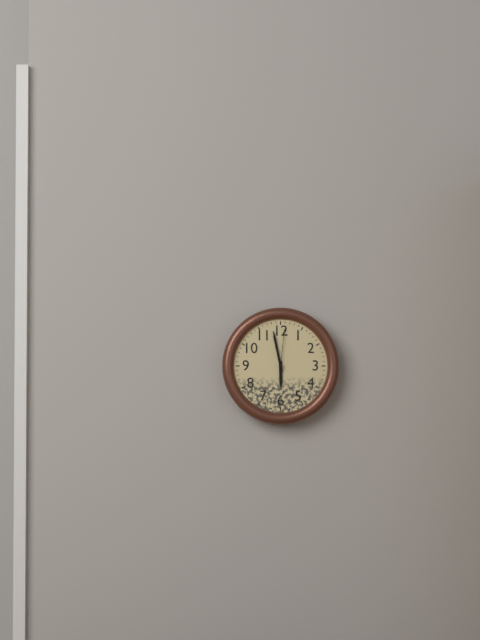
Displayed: 5 h 58 min
